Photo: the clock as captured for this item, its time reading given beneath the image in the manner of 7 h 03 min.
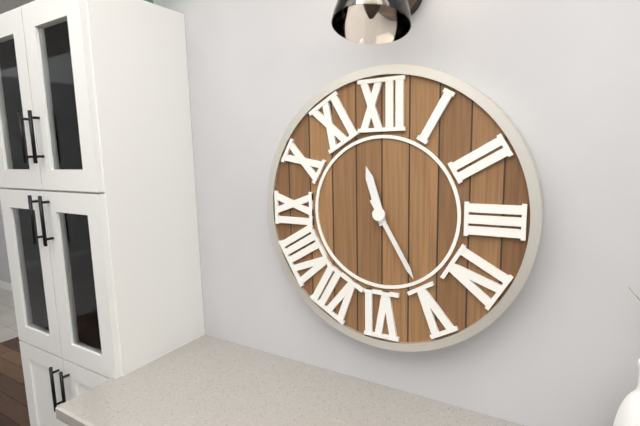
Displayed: 11 h 25 min
